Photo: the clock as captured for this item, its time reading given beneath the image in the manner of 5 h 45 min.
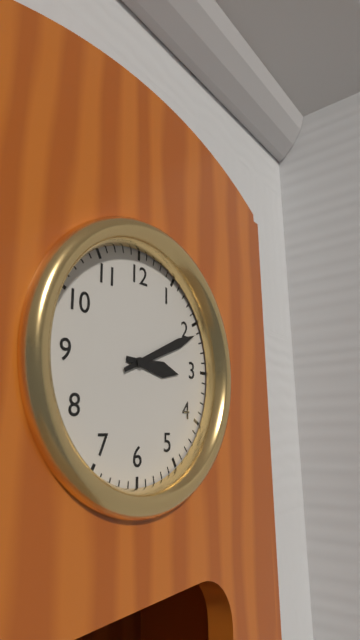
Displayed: 3 h 11 min
